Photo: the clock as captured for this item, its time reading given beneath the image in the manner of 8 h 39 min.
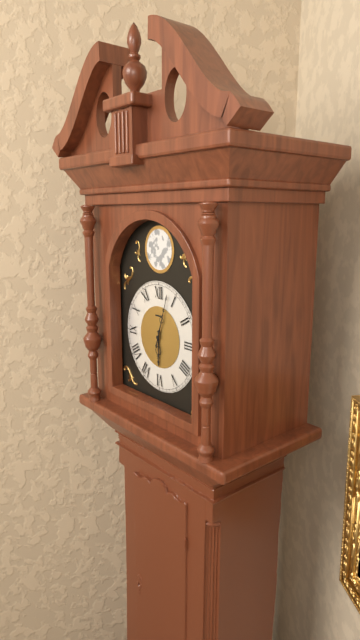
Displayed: 6 h 03 min
